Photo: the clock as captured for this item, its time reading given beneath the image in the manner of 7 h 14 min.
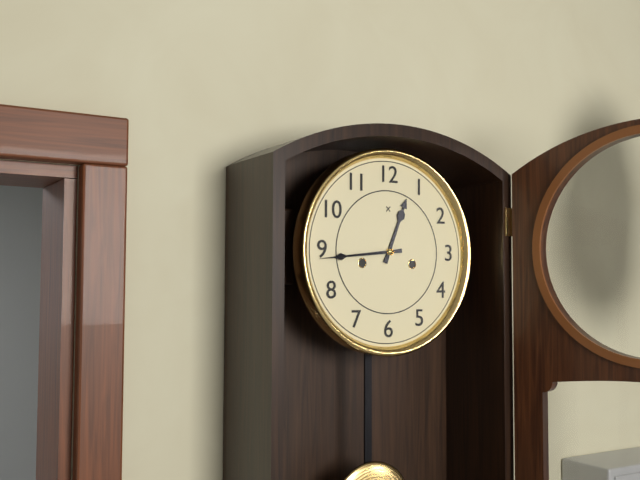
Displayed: 12 h 44 min
